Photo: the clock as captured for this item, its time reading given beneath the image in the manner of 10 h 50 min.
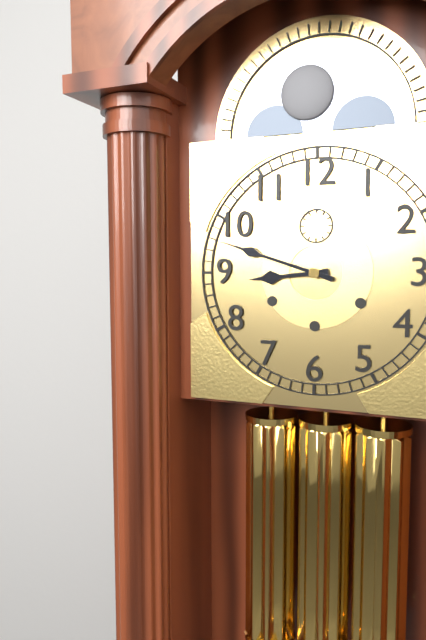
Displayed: 8 h 48 min
